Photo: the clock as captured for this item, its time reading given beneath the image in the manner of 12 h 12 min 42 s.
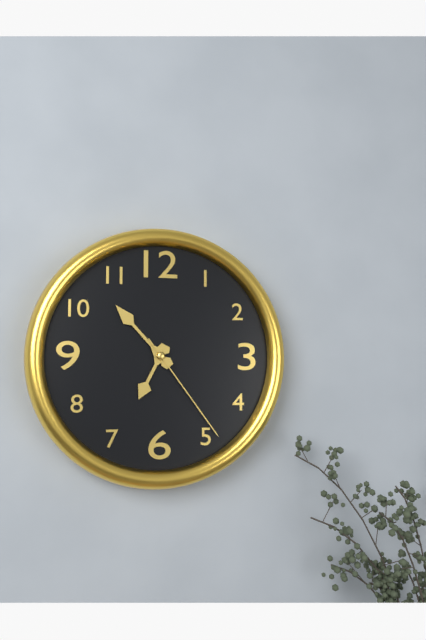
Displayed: 6 h 53 min 24 s
